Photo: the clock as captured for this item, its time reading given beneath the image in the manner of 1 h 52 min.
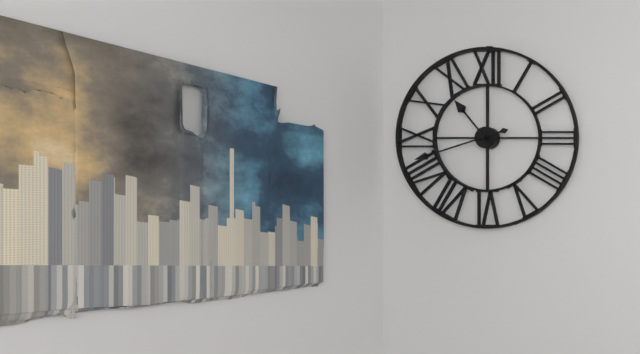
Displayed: 10 h 42 min
